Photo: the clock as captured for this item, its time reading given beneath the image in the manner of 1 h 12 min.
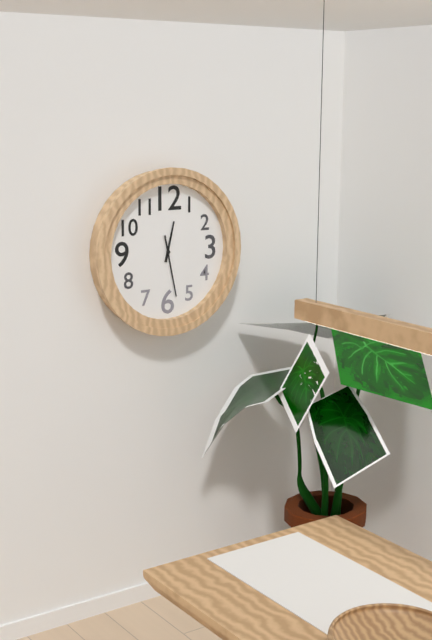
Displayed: 12 h 28 min
